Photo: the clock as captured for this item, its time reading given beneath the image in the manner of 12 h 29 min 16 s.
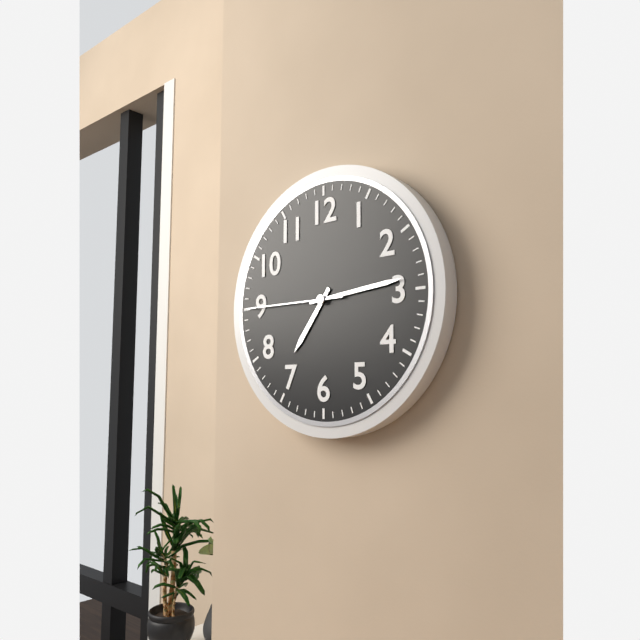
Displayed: 7 h 14 min 45 s
